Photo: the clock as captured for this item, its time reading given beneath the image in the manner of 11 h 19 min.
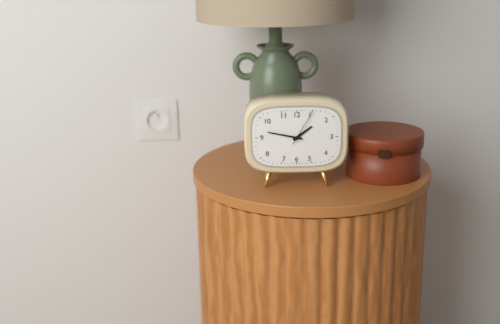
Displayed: 1 h 47 min
